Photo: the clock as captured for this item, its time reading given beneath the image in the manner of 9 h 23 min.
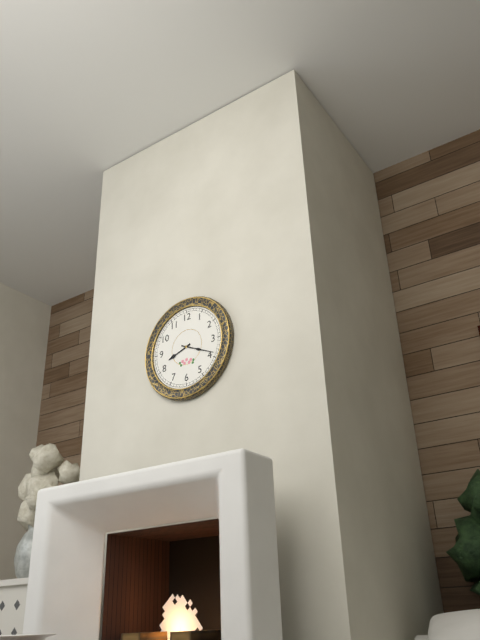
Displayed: 8 h 19 min
